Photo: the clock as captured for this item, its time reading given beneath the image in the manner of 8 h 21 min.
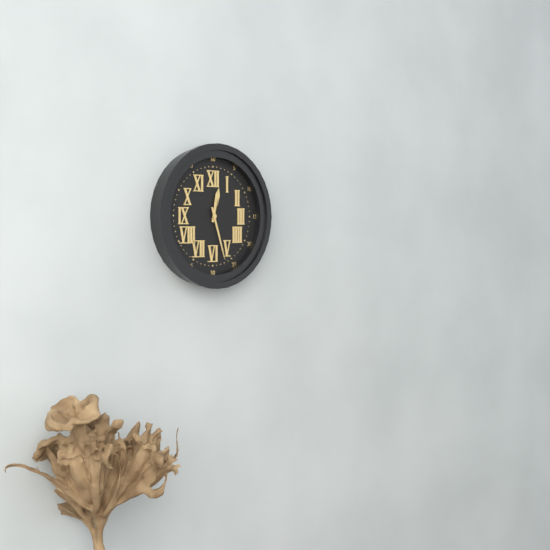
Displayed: 12 h 27 min
